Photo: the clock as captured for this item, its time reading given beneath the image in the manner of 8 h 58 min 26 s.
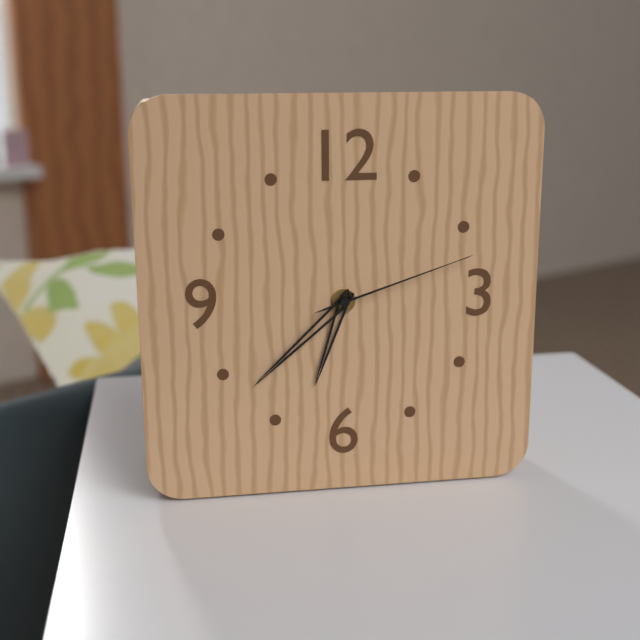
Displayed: 6 h 38 min 12 s
